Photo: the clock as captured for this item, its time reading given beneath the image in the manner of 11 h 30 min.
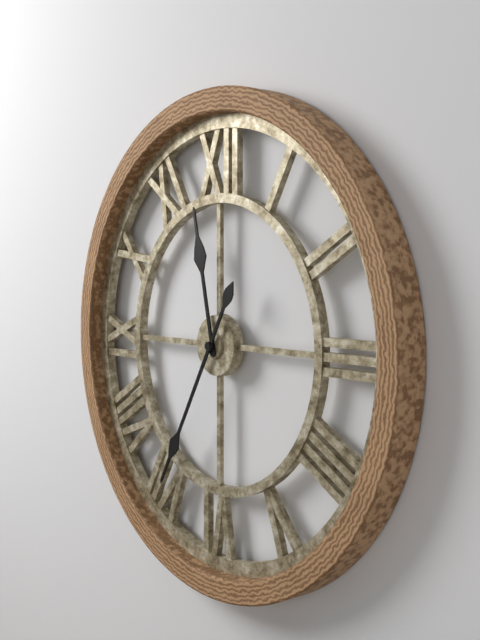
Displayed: 11 h 35 min
